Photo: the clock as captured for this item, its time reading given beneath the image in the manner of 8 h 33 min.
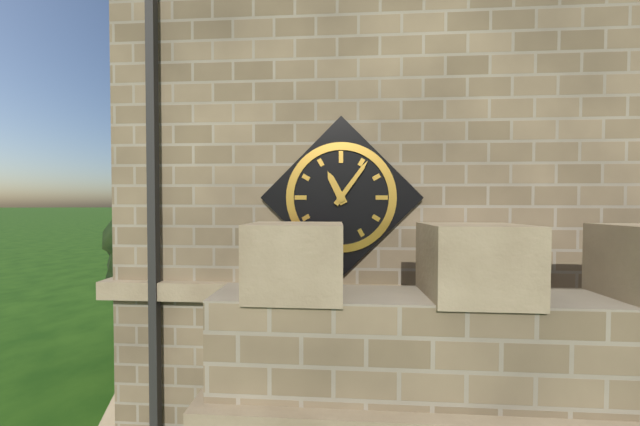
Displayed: 11 h 06 min
